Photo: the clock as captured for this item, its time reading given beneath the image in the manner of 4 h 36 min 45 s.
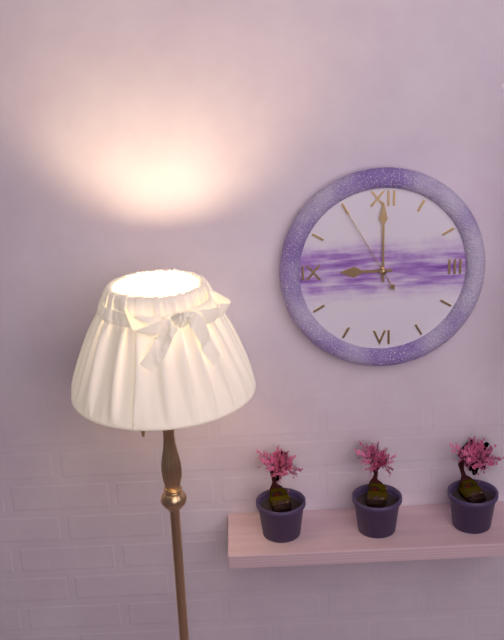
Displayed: 9 h 00 min 55 s
